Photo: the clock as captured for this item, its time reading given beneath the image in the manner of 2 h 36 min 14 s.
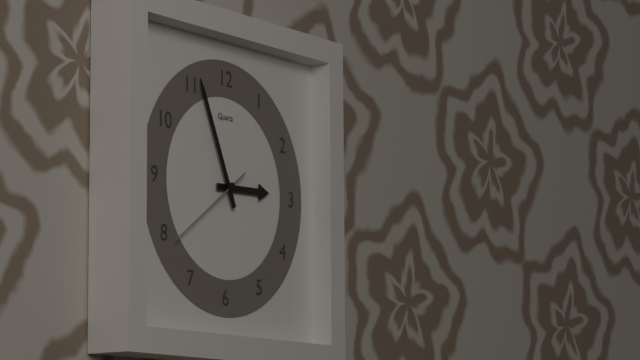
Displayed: 2 h 56 min 39 s
